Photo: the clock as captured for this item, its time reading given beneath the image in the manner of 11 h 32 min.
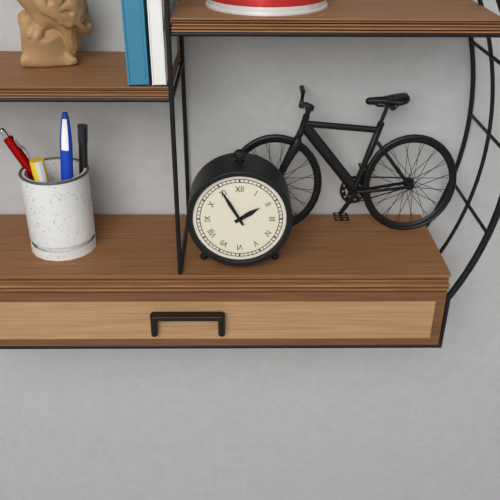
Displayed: 1 h 55 min
